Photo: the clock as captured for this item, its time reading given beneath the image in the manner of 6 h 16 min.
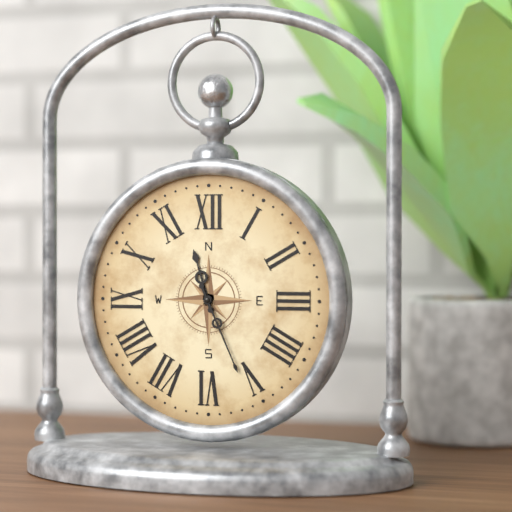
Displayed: 11 h 26 min
